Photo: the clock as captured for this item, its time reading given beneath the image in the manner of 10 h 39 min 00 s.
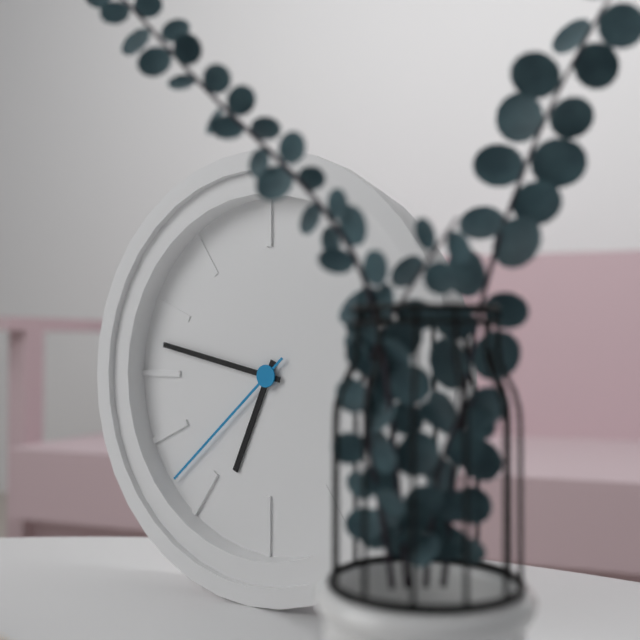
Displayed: 6 h 47 min 38 s
